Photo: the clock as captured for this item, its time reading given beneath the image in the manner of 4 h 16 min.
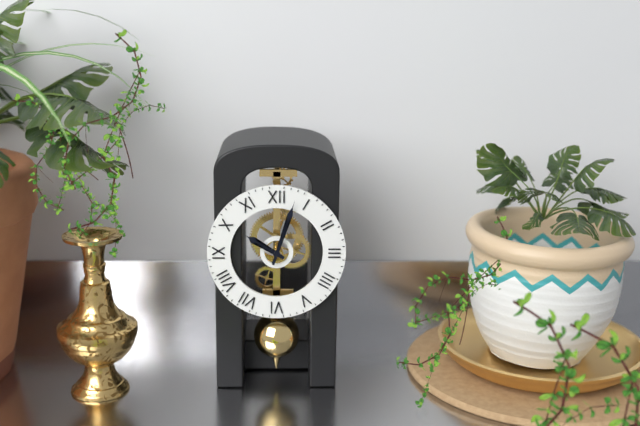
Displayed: 10 h 03 min
